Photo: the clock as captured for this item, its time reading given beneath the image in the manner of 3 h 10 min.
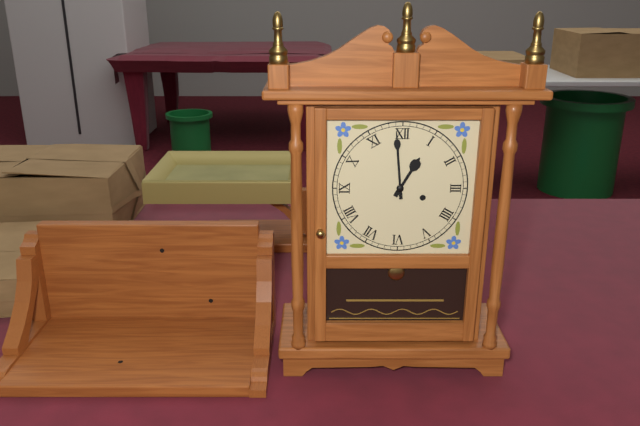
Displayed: 12 h 59 min
